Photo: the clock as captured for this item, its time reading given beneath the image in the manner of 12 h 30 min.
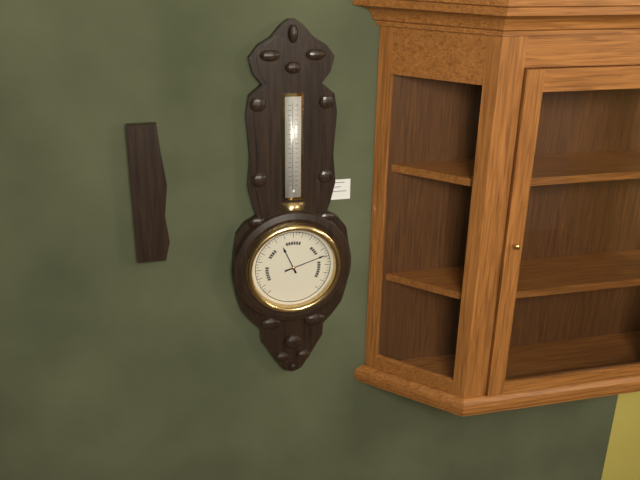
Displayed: 11 h 12 min
